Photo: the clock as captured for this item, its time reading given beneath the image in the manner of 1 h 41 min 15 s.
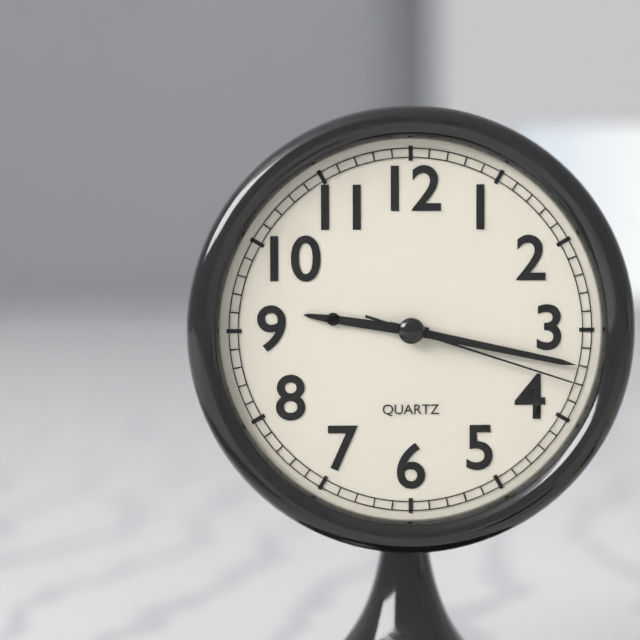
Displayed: 9 h 17 min 18 s
